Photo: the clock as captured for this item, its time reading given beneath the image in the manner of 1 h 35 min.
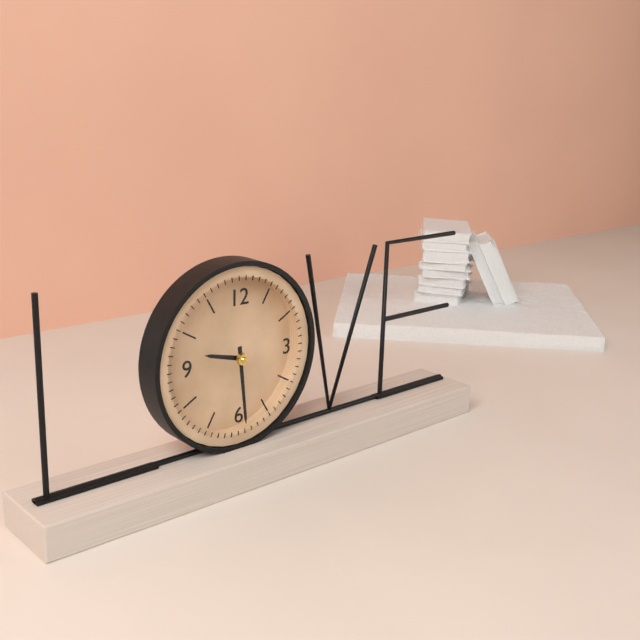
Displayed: 9 h 29 min
